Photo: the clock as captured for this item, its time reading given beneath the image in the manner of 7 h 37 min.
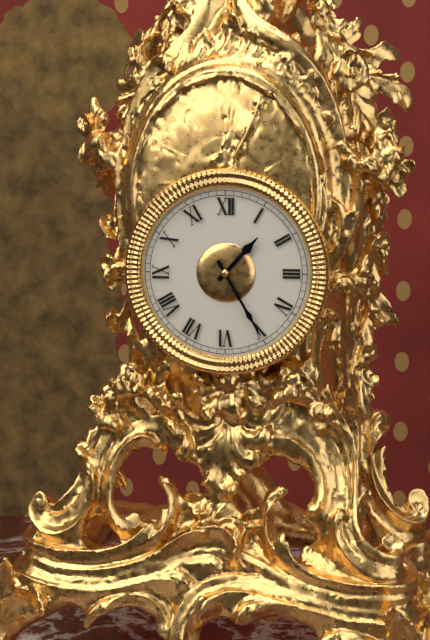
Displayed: 1 h 25 min
